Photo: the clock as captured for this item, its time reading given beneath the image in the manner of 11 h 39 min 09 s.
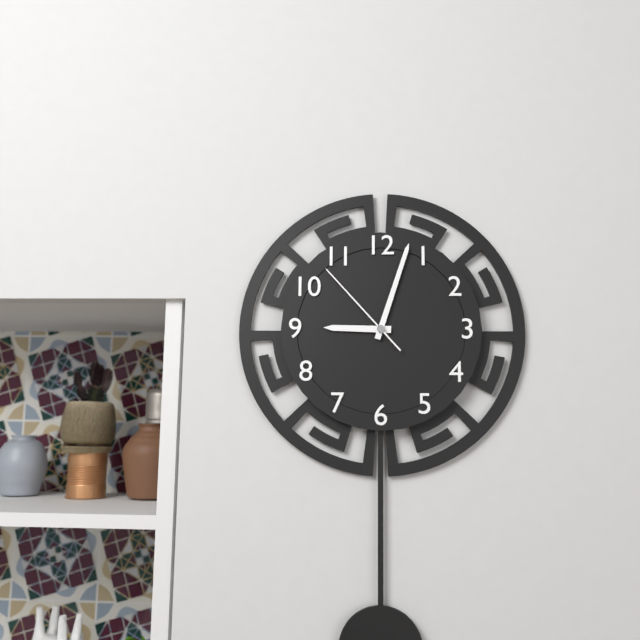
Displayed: 9 h 03 min 53 s
